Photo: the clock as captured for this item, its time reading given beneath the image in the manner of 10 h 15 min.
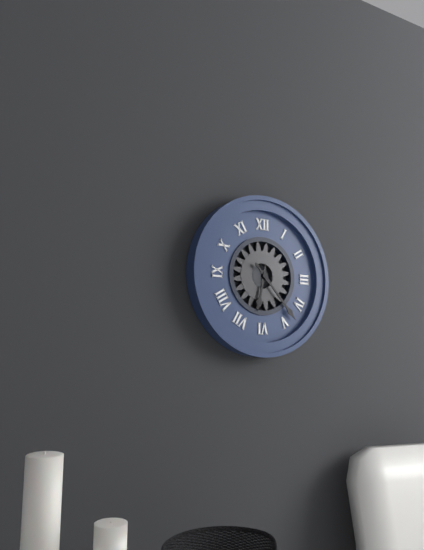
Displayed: 6 h 23 min
